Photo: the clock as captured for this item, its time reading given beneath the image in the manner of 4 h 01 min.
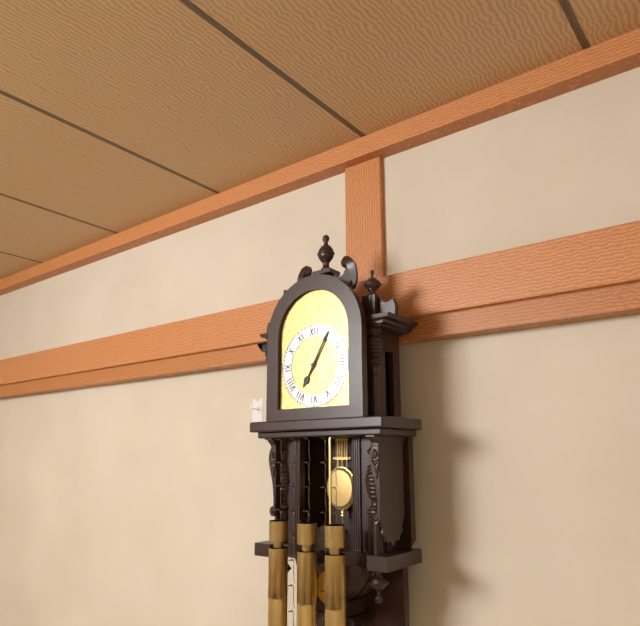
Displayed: 7 h 05 min
